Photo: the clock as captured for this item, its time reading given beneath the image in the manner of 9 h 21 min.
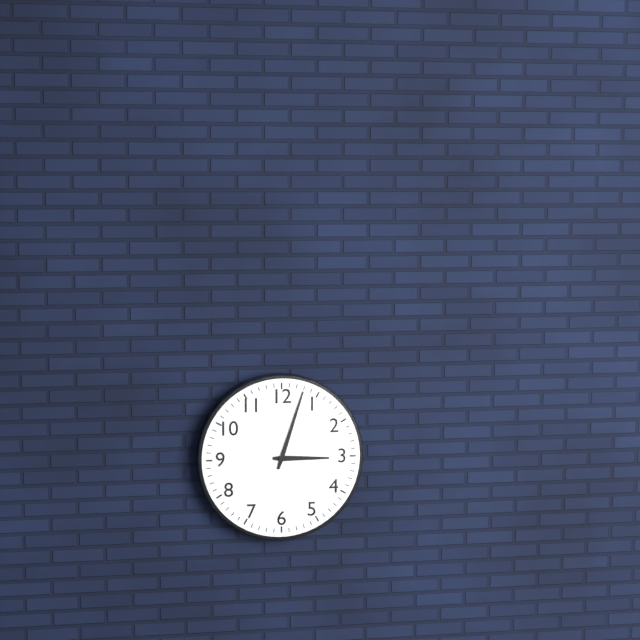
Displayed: 3 h 03 min
